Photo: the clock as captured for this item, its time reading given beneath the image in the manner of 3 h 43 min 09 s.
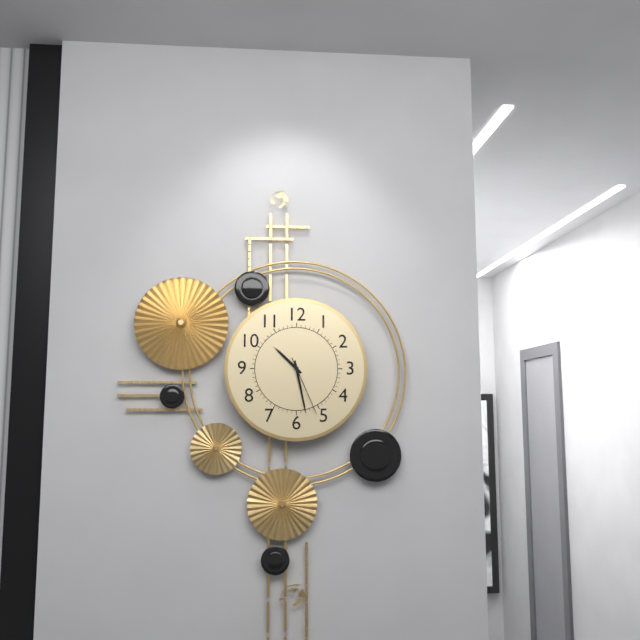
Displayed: 10 h 28 min 26 s
